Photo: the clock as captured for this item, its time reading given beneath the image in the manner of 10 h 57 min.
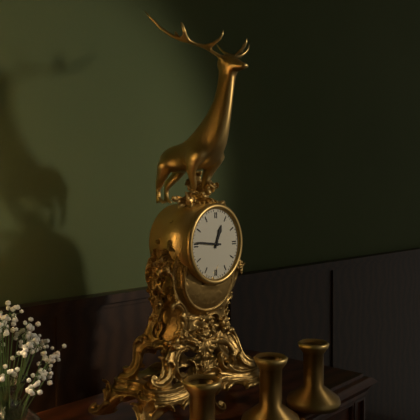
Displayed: 12 h 46 min
